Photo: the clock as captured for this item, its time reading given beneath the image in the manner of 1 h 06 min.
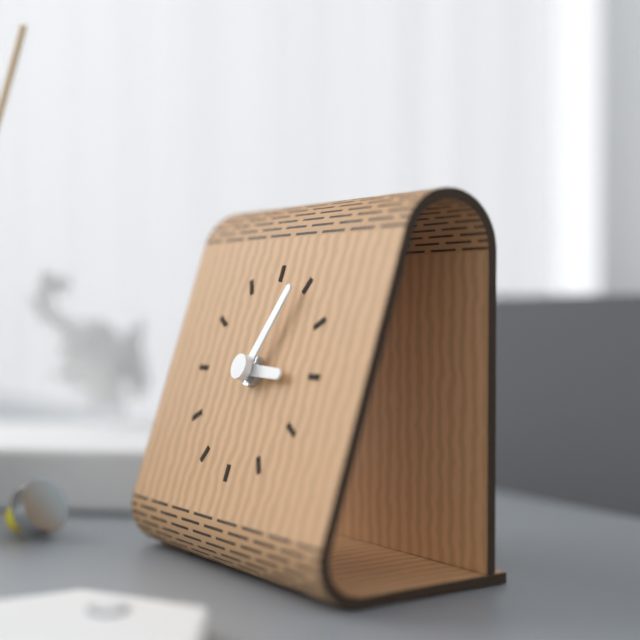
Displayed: 3 h 04 min
